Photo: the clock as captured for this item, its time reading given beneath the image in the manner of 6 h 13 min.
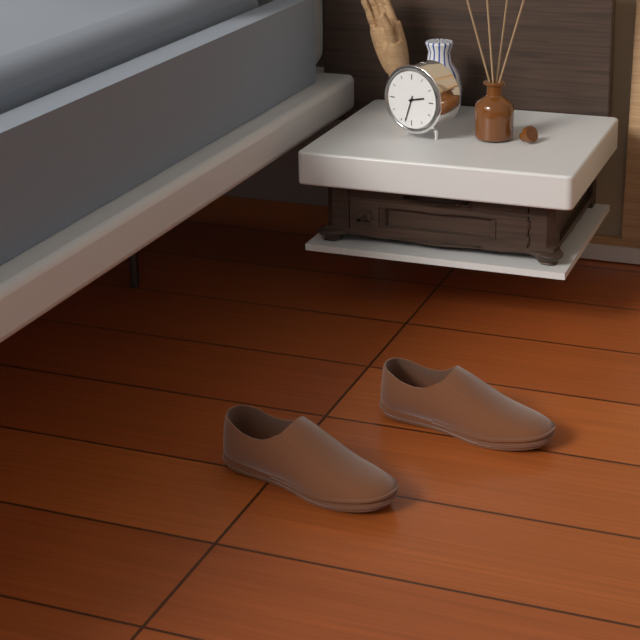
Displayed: 2 h 33 min
